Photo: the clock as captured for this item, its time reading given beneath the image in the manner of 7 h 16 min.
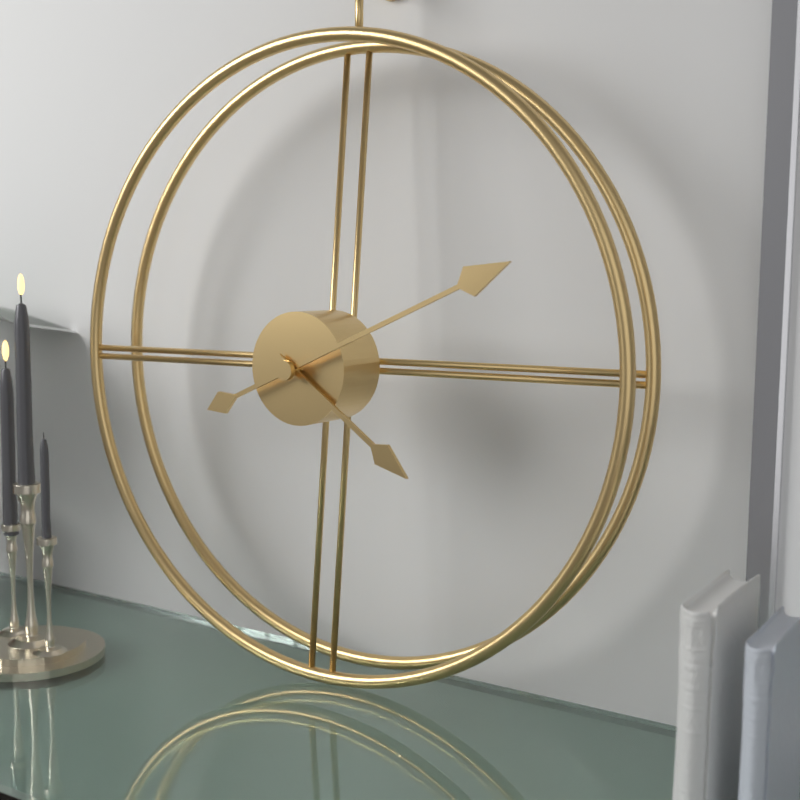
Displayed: 4 h 11 min
